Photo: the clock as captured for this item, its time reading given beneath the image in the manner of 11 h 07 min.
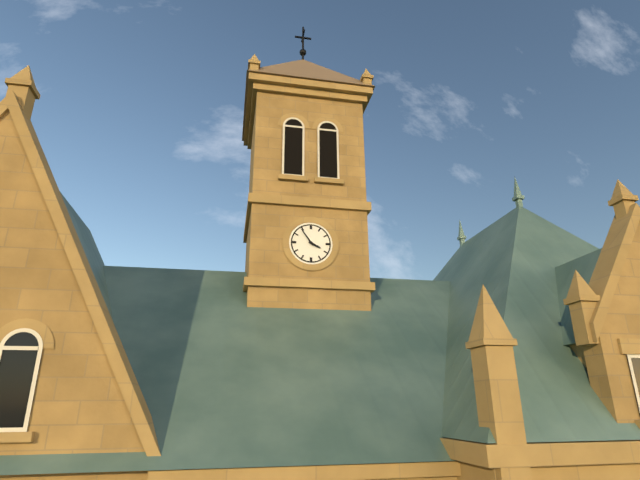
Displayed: 3 h 54 min
